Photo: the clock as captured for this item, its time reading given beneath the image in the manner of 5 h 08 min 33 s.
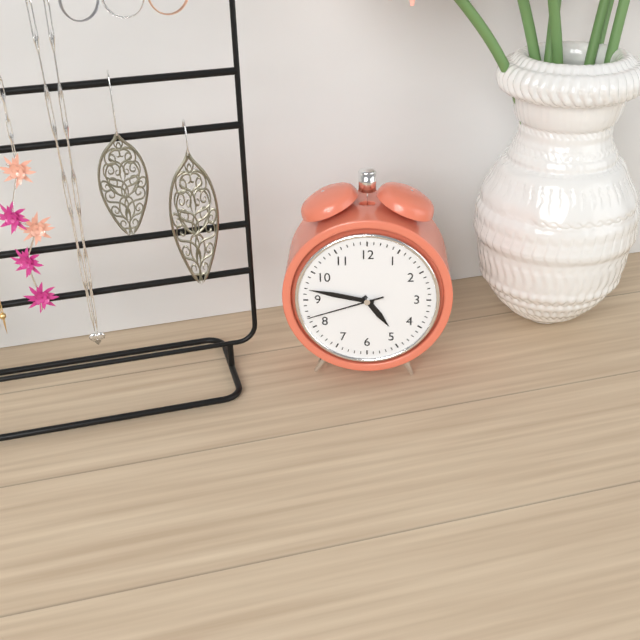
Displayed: 4 h 47 min 42 s
